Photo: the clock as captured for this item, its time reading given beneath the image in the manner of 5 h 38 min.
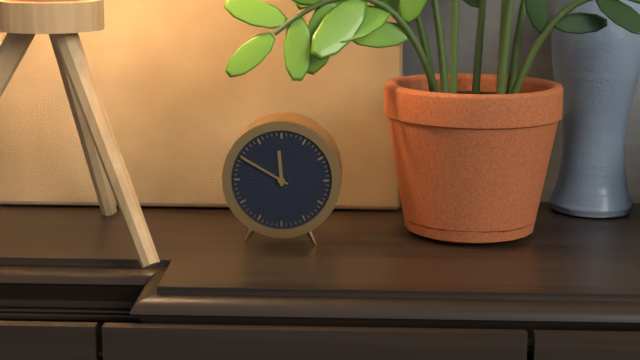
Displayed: 11 h 50 min
